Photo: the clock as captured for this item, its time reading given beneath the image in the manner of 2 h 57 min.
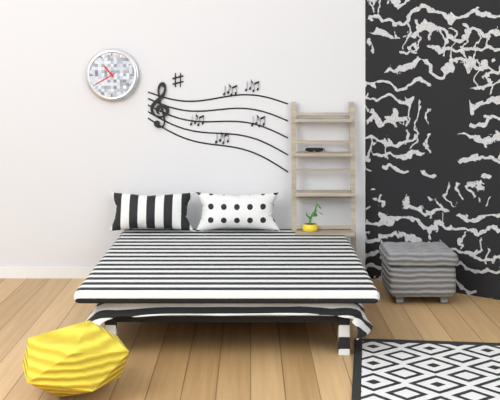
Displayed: 10 h 40 min
